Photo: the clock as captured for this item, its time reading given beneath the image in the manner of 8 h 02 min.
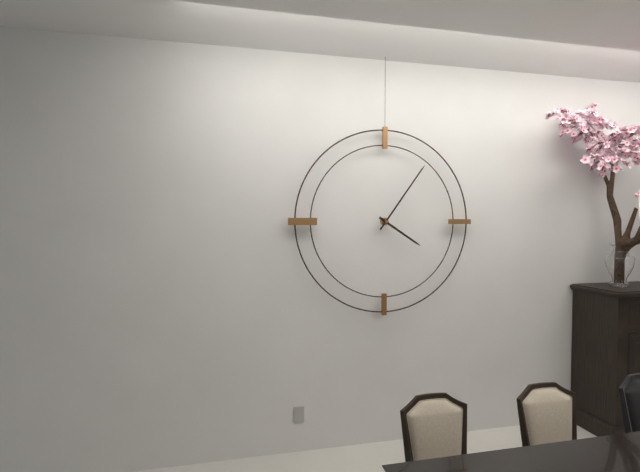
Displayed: 4 h 06 min
